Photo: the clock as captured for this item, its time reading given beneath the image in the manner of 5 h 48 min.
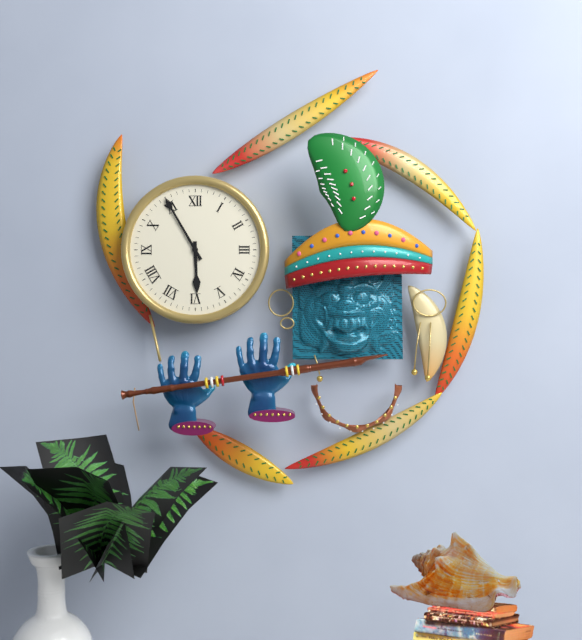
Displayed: 5 h 55 min
